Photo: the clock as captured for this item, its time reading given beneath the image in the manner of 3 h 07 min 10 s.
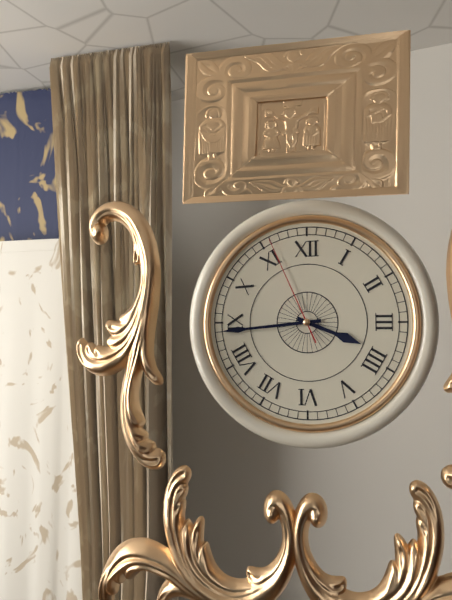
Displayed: 3 h 44 min 56 s
